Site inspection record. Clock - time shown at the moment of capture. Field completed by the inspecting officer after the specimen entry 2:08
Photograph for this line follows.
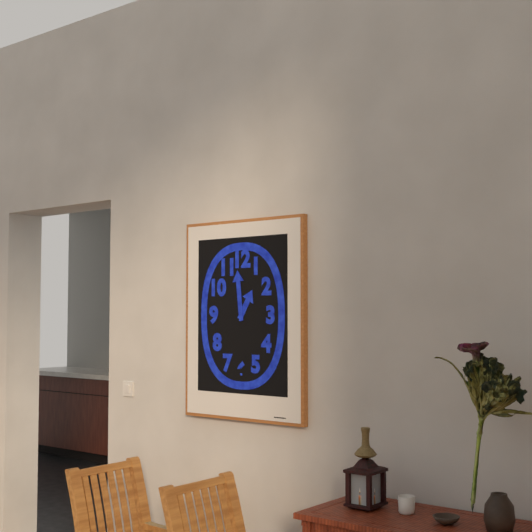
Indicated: 12:59
